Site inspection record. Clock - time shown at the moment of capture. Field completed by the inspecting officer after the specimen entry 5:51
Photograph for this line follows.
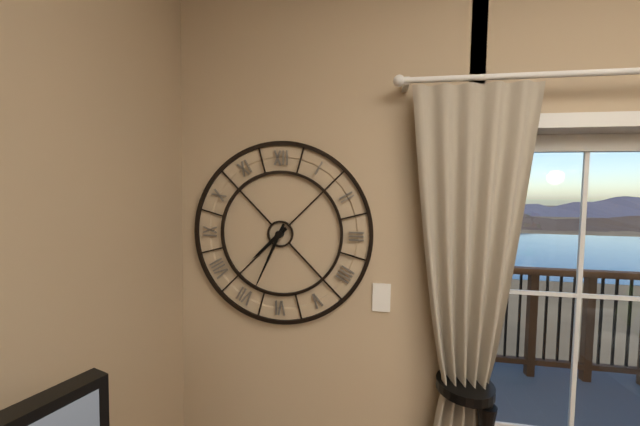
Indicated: 7:34
